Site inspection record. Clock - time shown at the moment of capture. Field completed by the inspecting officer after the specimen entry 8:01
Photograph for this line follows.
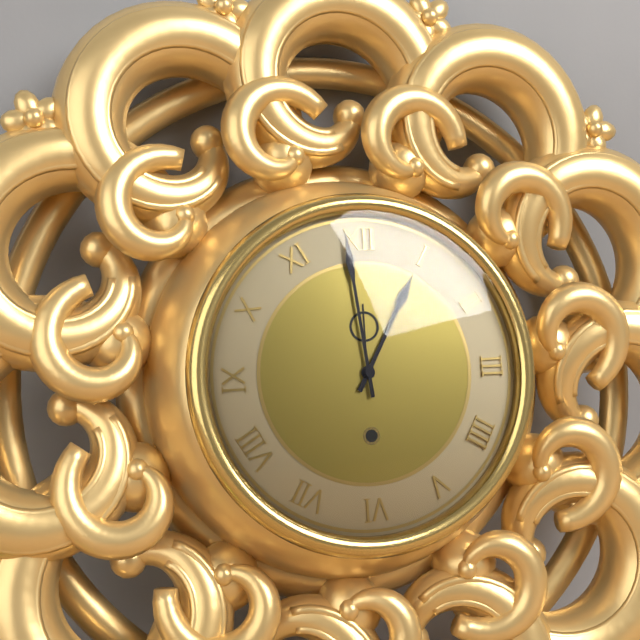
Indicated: 12:59
